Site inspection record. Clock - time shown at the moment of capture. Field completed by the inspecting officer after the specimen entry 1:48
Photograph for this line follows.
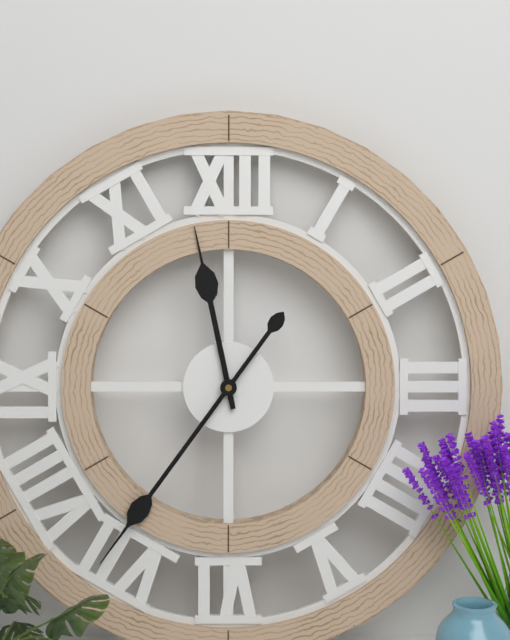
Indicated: 11:36
